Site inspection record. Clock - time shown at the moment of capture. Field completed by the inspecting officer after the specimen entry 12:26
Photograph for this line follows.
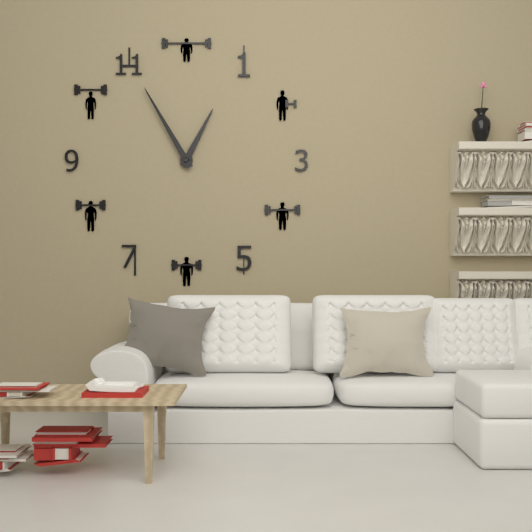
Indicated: 12:55
